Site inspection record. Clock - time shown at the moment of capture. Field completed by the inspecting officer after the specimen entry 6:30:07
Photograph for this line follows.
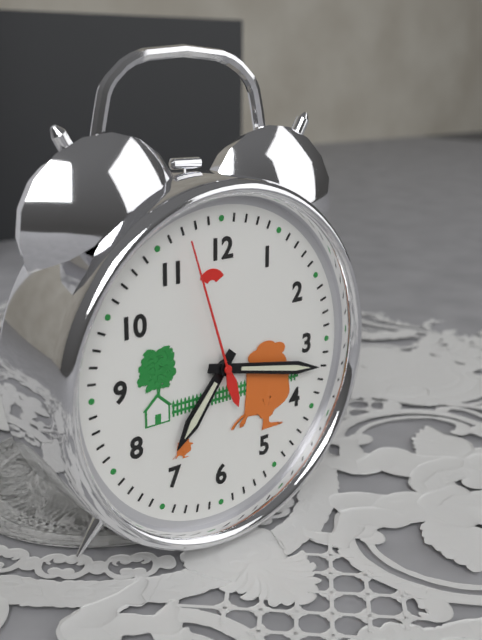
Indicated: 7:17:57
